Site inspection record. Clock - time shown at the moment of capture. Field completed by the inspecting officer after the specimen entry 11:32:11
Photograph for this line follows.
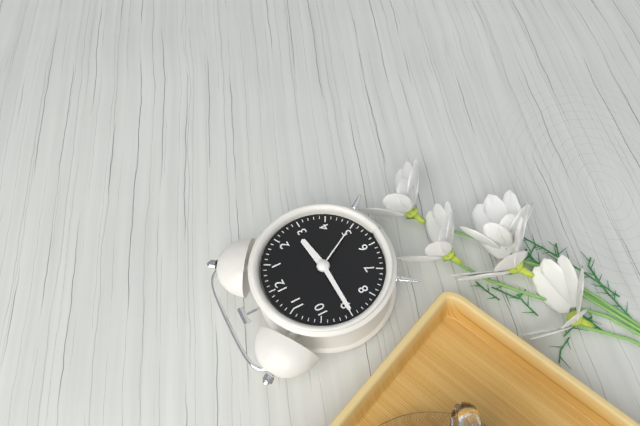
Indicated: 2:45:25
